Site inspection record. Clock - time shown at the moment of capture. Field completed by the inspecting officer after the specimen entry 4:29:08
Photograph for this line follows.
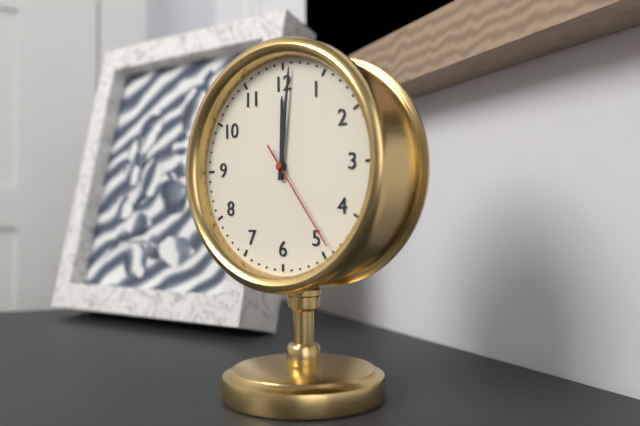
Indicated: 12:01:24
